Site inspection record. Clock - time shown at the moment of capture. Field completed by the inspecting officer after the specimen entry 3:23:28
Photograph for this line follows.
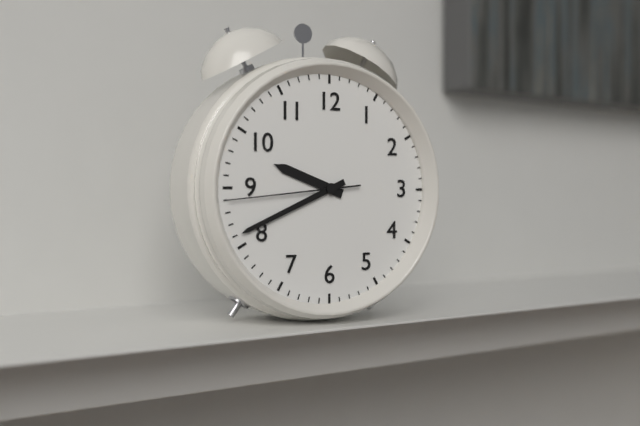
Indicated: 9:41:44
